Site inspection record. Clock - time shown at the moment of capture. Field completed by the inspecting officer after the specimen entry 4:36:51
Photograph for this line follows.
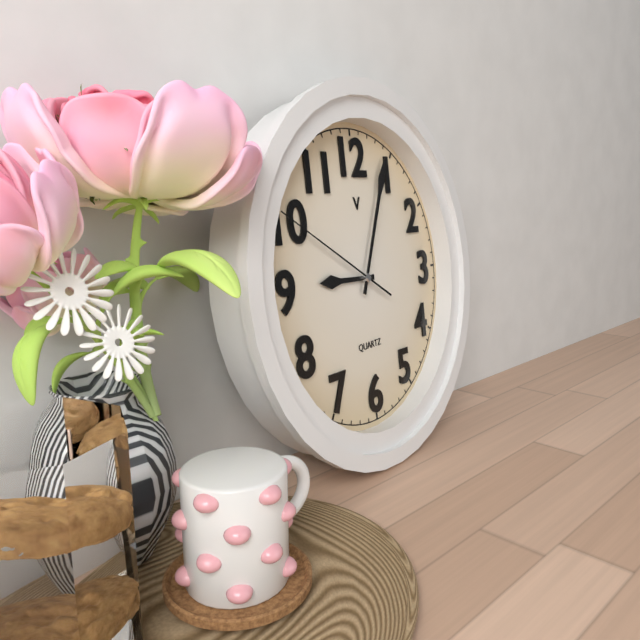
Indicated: 9:04:50
